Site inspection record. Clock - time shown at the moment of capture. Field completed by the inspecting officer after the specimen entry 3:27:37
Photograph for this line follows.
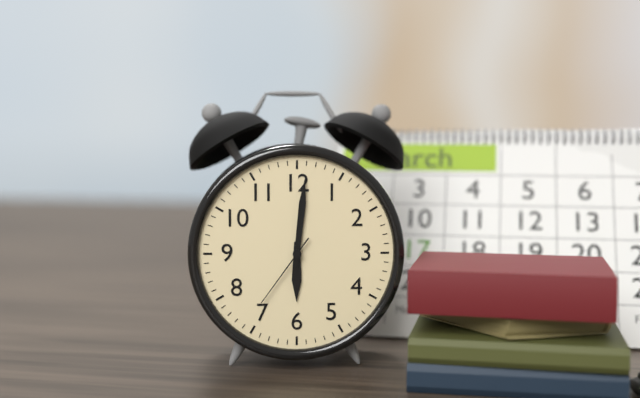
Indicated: 6:01:36
